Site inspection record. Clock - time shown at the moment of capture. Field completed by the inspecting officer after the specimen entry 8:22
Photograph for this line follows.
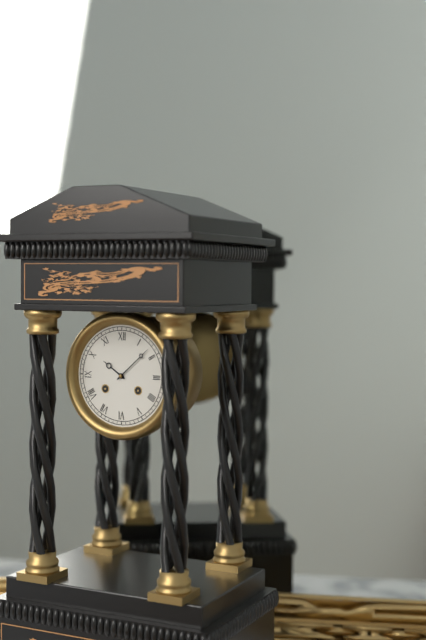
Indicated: 10:08
